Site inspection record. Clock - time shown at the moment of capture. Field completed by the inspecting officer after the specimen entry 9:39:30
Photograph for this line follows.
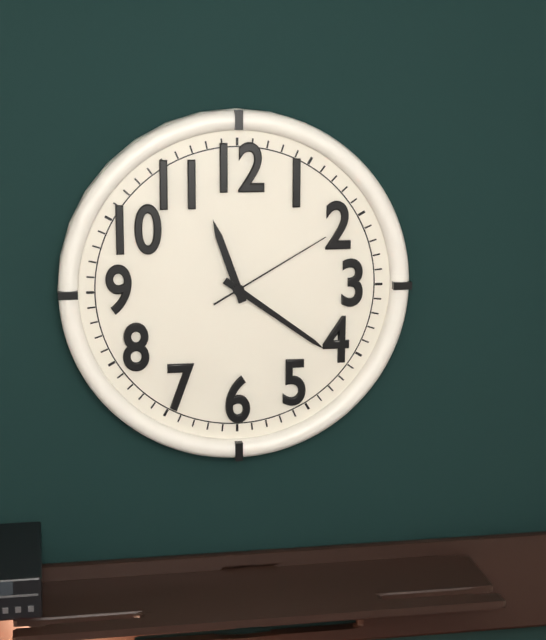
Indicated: 11:21:10
